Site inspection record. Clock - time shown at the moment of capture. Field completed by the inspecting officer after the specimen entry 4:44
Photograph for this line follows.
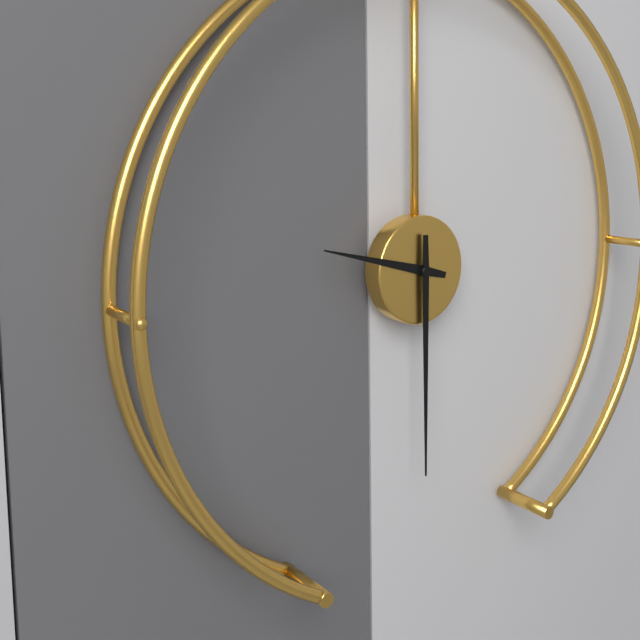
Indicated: 9:30
